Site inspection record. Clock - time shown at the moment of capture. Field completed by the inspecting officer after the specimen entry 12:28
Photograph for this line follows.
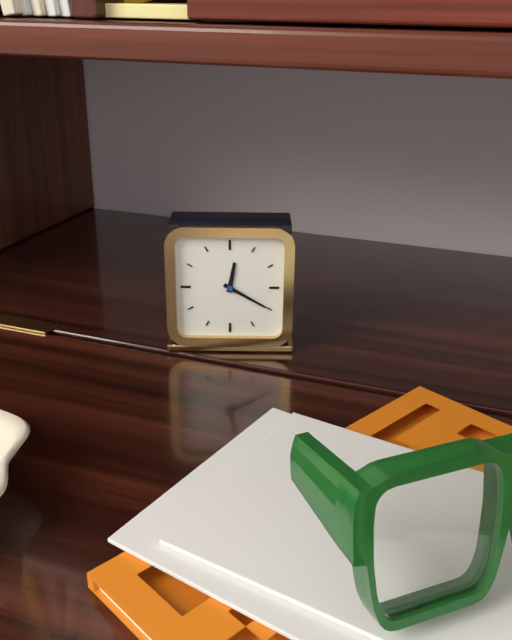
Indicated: 12:20
